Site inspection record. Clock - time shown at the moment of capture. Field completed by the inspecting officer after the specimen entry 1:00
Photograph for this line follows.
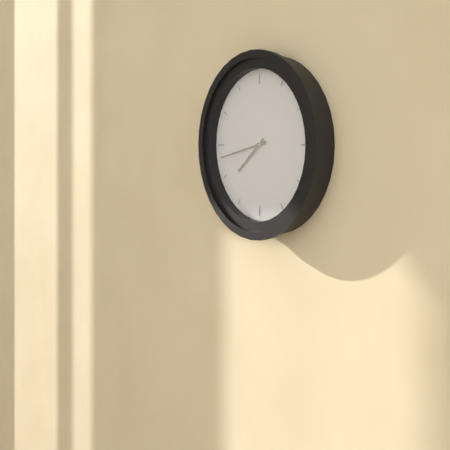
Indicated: 7:43
